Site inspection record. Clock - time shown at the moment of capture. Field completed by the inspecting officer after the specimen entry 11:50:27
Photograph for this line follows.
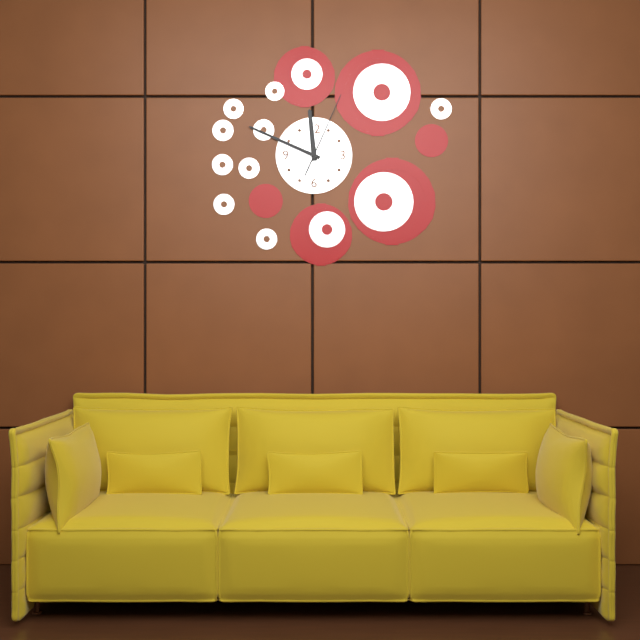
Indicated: 11:49:04
